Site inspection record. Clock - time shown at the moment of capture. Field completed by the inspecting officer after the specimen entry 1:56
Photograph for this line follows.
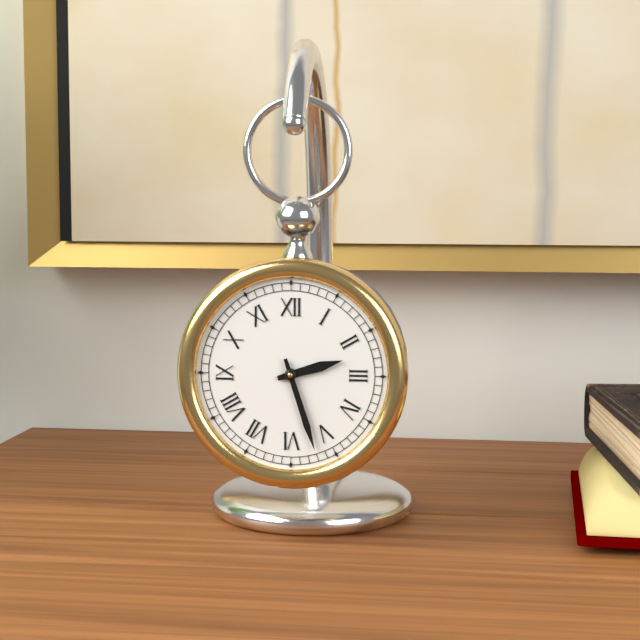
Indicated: 2:27
